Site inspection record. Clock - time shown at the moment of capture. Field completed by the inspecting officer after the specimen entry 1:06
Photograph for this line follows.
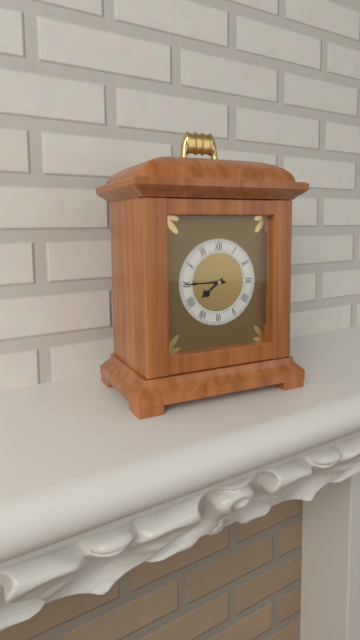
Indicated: 7:45
